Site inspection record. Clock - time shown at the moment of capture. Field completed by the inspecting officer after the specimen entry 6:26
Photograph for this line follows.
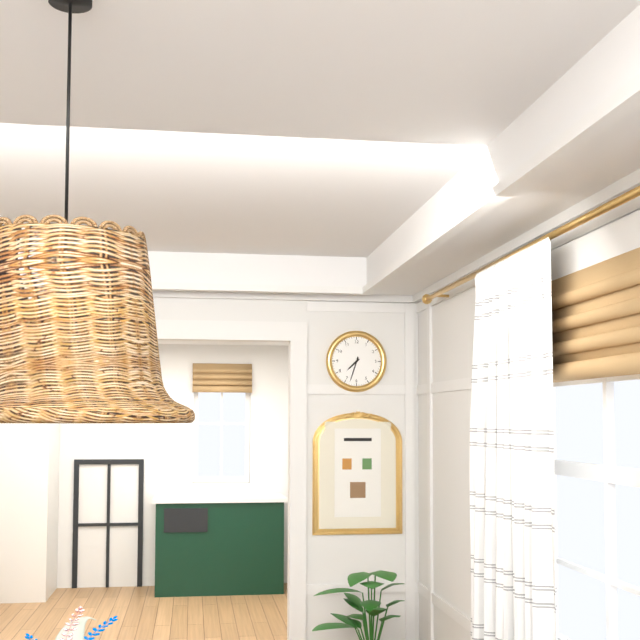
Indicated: 7:33
